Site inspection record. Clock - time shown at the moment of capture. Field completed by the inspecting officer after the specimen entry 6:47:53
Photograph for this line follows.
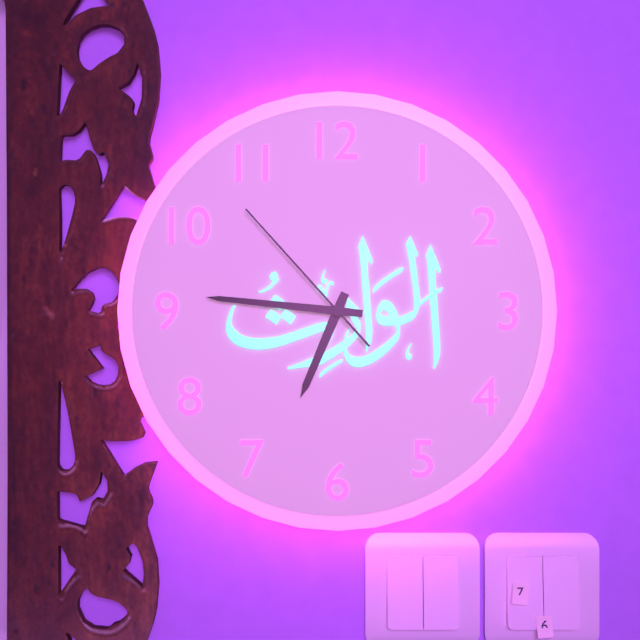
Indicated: 6:46:53
